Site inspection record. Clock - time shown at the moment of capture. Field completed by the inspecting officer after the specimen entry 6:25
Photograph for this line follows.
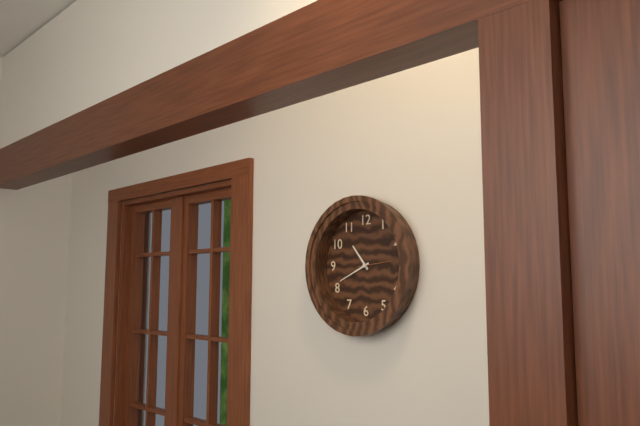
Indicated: 10:41
